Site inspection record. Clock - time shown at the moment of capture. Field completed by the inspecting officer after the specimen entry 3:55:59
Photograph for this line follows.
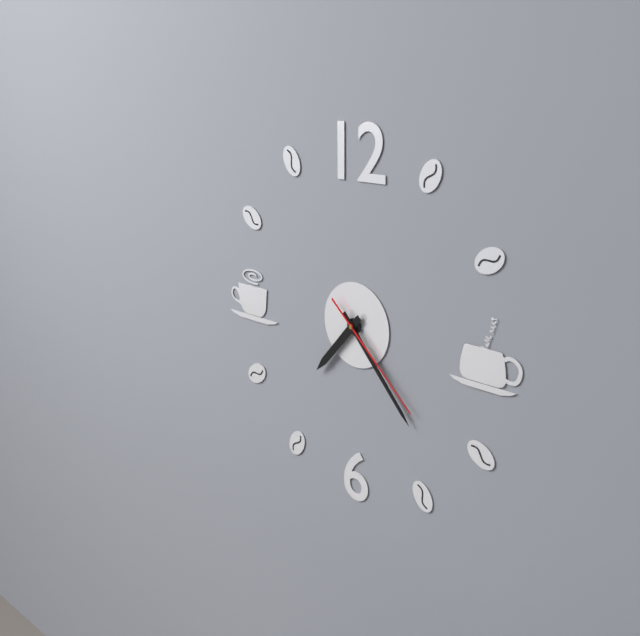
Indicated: 7:23:22
